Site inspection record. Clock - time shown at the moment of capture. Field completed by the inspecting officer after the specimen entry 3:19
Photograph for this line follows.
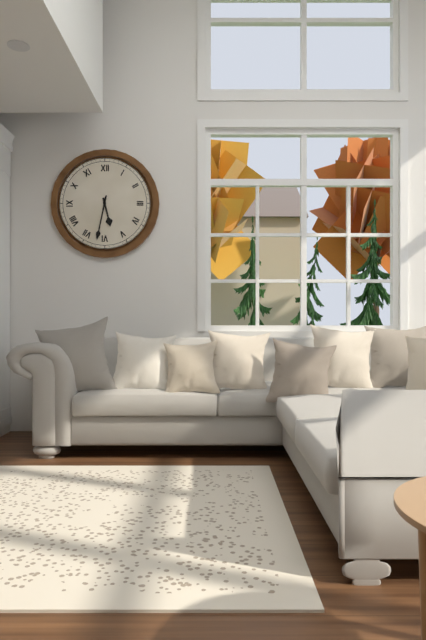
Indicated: 5:32
